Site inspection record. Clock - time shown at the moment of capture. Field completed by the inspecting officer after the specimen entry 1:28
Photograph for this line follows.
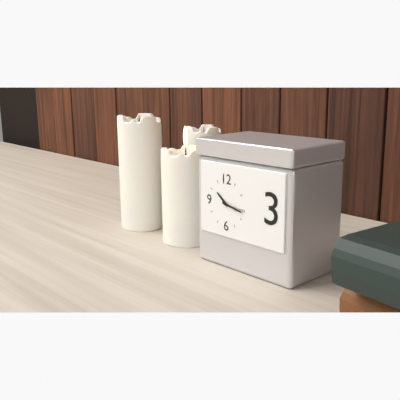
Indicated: 10:17
